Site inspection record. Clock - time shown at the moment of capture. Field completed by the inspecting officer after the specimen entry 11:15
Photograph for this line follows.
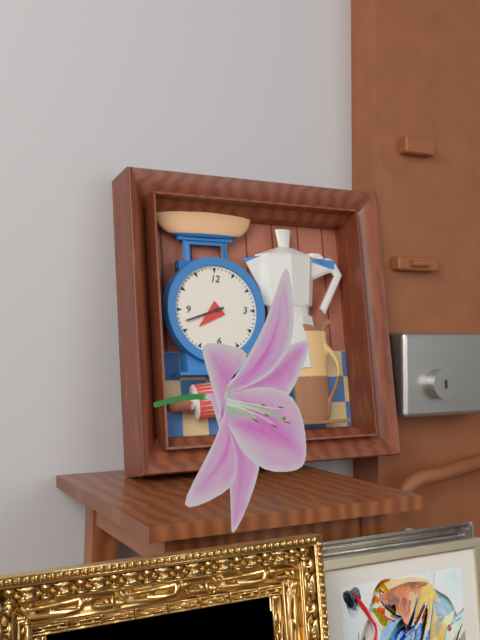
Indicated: 7:42
